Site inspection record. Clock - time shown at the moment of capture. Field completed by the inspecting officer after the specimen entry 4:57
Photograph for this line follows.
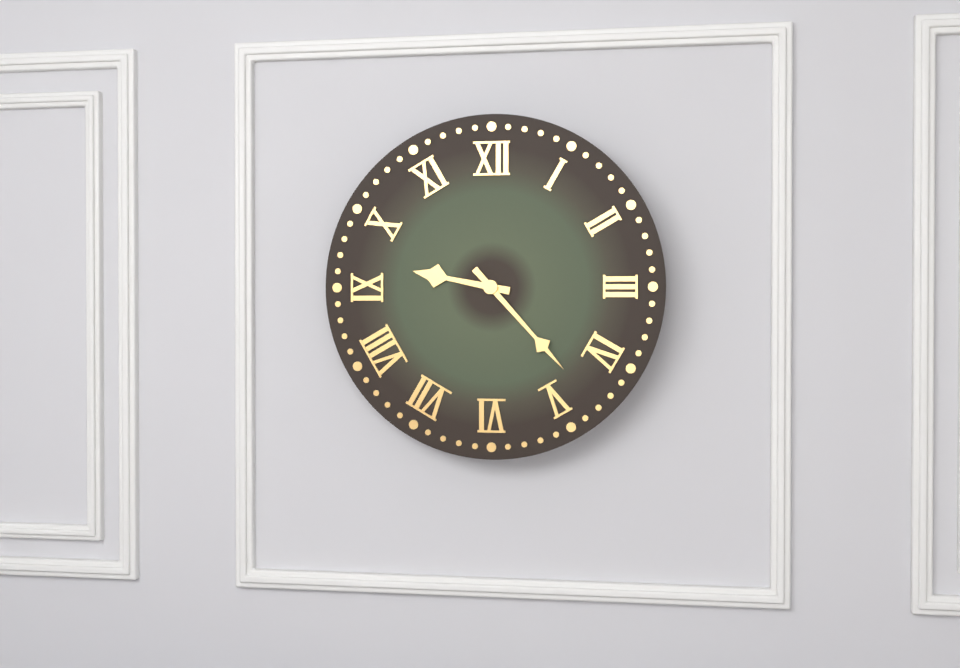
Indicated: 9:23
